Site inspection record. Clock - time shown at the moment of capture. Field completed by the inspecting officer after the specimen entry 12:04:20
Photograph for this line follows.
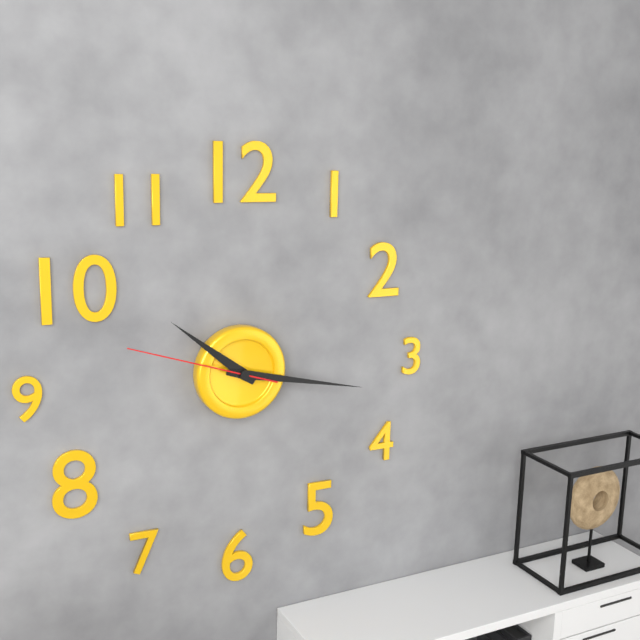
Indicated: 10:17:48
